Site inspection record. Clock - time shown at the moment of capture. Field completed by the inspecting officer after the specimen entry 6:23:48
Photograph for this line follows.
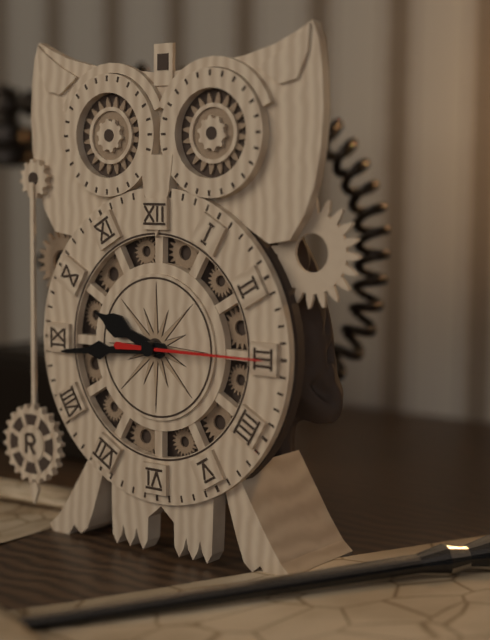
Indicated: 9:44:15
